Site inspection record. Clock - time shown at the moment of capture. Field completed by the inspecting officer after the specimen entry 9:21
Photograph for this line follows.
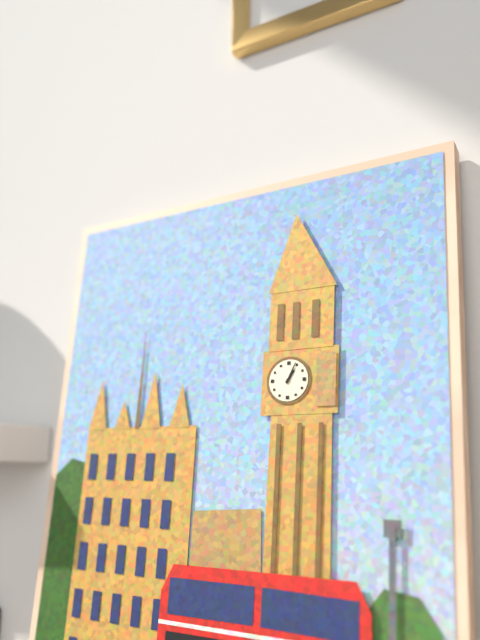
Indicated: 1:04
